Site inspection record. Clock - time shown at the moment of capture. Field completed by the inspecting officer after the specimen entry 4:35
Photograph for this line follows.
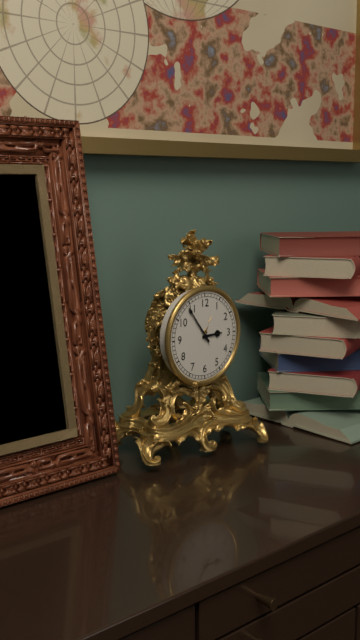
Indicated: 2:54
